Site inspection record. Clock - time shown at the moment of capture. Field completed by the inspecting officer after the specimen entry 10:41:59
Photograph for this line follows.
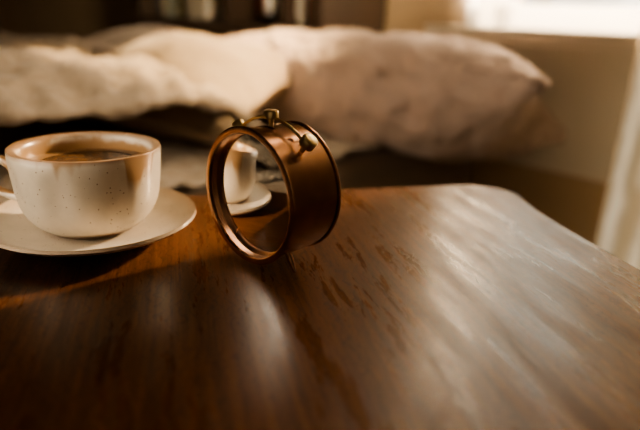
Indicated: 5:46:35
